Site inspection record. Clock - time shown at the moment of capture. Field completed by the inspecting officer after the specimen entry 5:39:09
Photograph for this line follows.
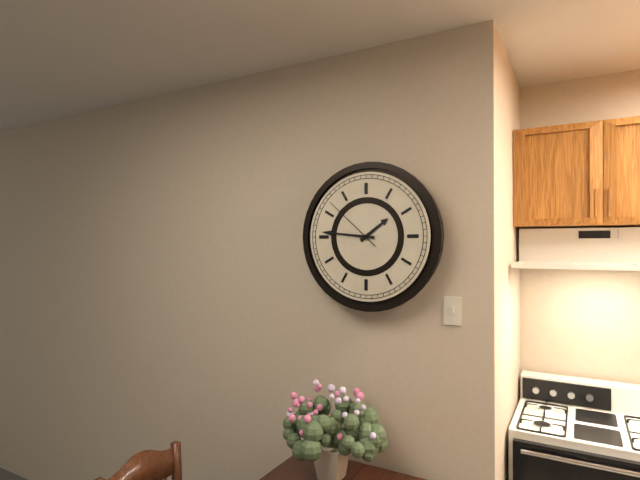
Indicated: 1:46:52
